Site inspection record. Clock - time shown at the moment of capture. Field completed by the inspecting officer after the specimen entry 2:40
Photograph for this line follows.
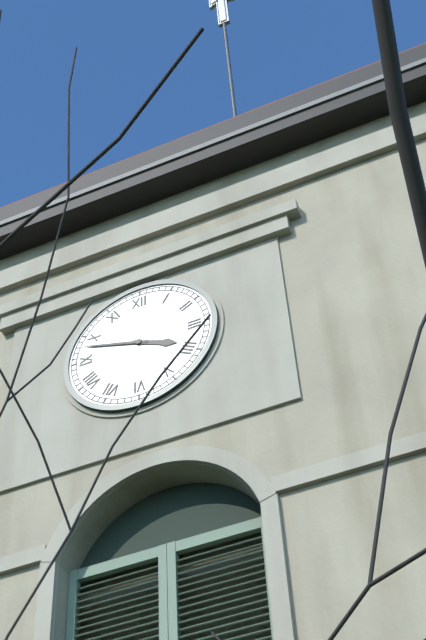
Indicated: 3:48
